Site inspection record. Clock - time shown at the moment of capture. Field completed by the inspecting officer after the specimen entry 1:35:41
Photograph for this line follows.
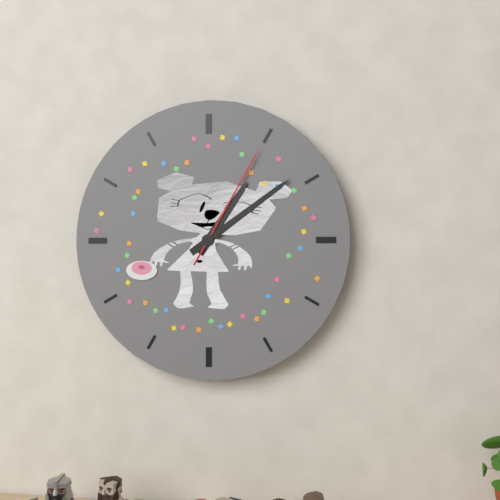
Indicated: 1:09:05
